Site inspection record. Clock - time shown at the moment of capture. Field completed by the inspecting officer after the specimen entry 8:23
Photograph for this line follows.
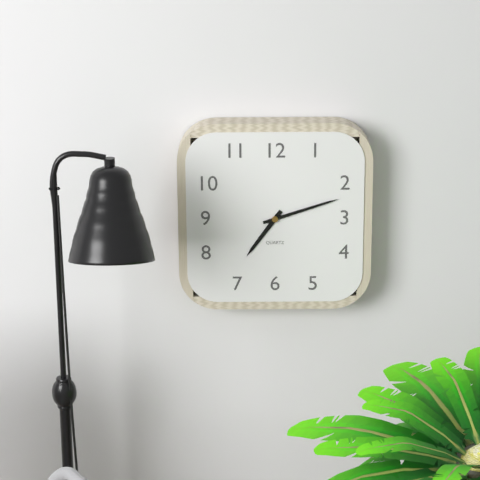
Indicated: 7:12
